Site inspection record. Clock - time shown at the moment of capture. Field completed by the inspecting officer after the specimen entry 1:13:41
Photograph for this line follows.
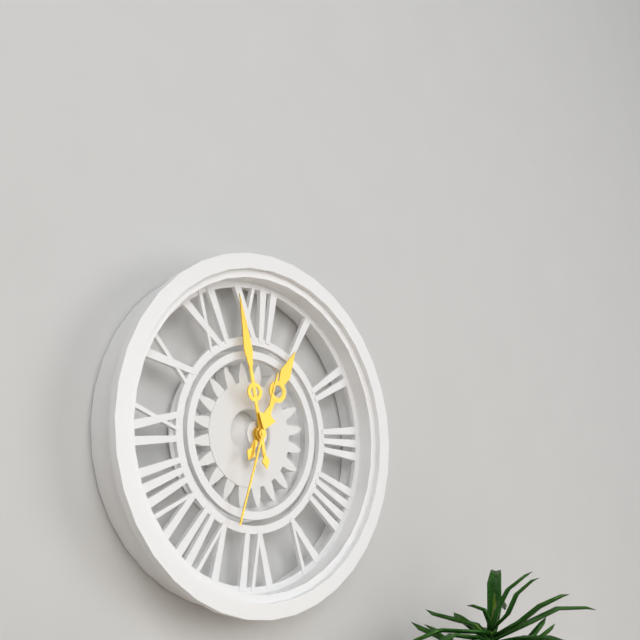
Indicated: 12:58:33
